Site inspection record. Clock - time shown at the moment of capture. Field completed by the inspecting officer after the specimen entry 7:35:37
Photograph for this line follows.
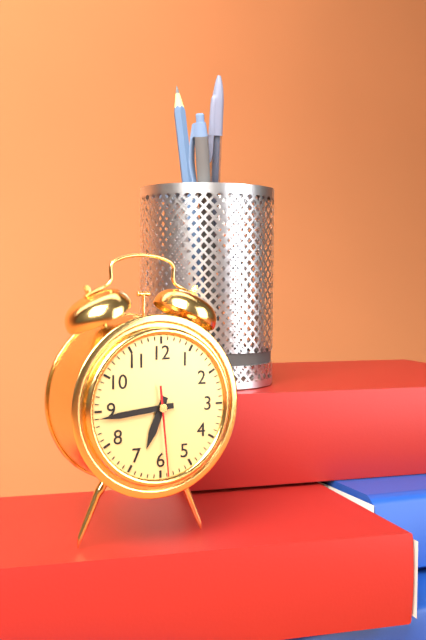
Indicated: 6:44:29
